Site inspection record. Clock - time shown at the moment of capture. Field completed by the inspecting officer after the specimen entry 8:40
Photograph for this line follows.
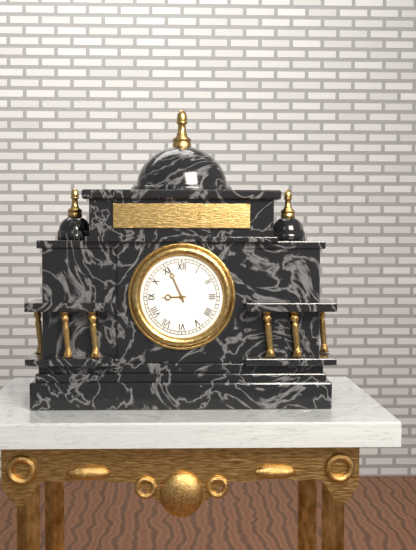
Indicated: 8:56
